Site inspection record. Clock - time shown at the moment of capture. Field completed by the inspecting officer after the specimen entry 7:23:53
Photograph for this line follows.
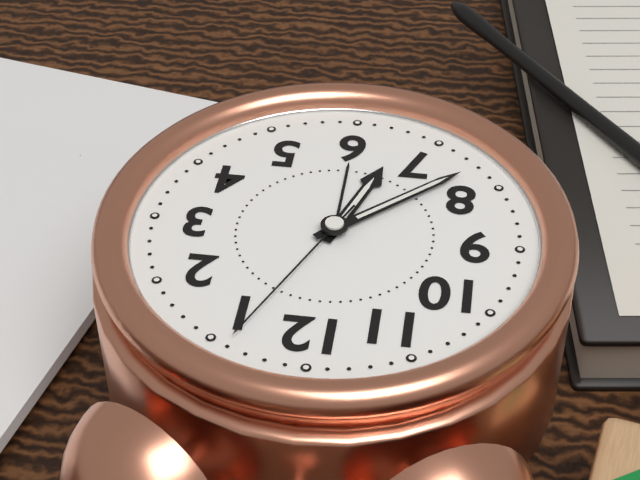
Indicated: 6:38:04
